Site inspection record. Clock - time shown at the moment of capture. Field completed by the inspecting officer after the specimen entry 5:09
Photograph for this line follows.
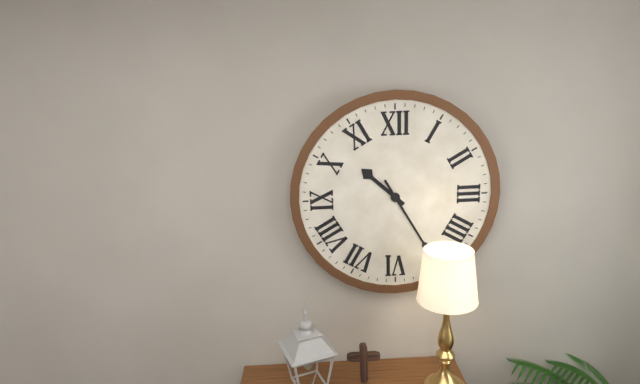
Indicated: 10:25
